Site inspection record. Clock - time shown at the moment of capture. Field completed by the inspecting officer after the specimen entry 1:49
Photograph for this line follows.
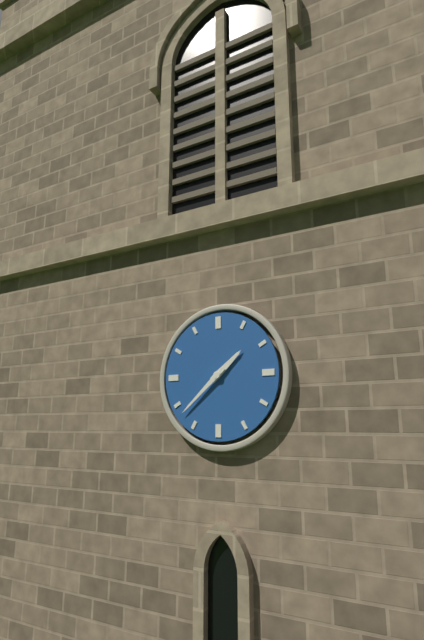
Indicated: 1:38
